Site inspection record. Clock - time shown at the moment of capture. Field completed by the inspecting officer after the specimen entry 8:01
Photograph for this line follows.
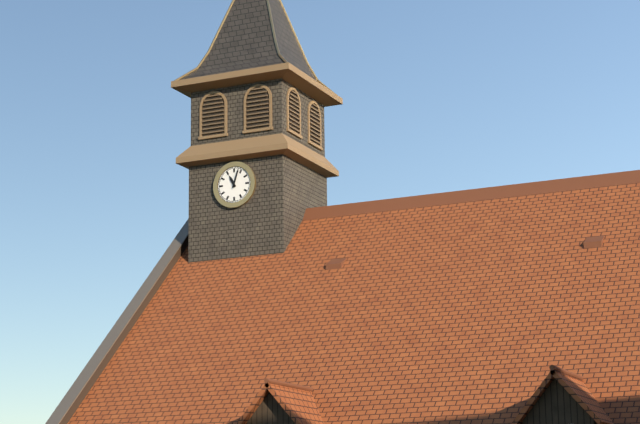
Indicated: 11:03
